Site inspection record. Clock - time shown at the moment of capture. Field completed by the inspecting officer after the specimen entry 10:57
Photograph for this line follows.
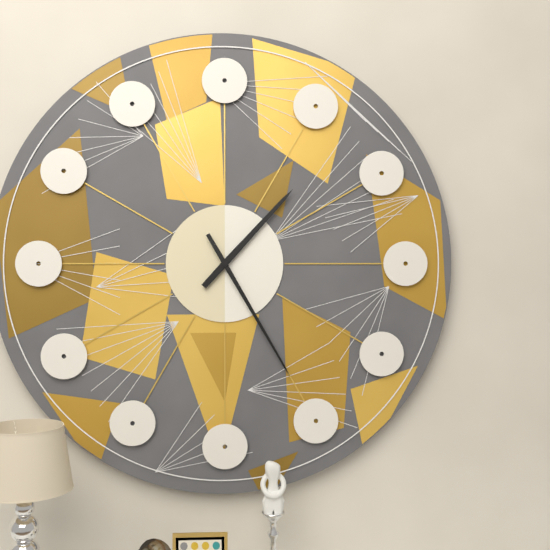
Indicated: 1:25
